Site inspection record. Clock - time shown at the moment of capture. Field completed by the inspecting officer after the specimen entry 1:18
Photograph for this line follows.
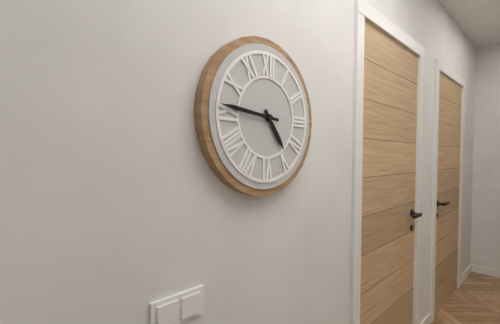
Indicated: 4:46
